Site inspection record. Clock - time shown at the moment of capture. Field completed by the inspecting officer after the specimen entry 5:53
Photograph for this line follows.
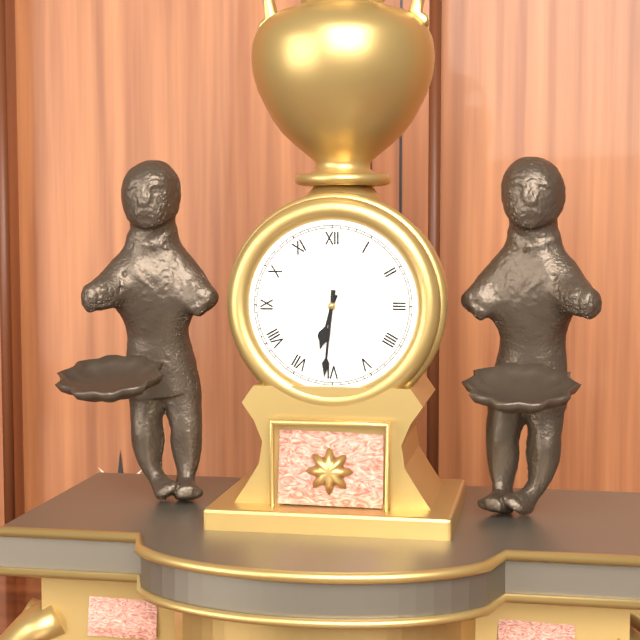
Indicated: 6:31
